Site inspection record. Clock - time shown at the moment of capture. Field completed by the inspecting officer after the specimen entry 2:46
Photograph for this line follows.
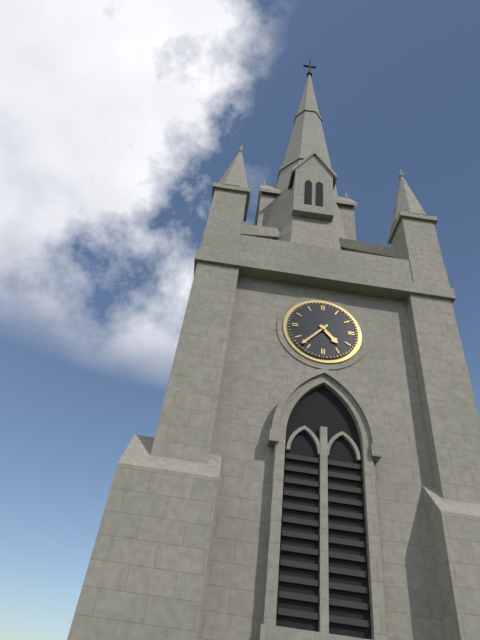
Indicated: 4:37
